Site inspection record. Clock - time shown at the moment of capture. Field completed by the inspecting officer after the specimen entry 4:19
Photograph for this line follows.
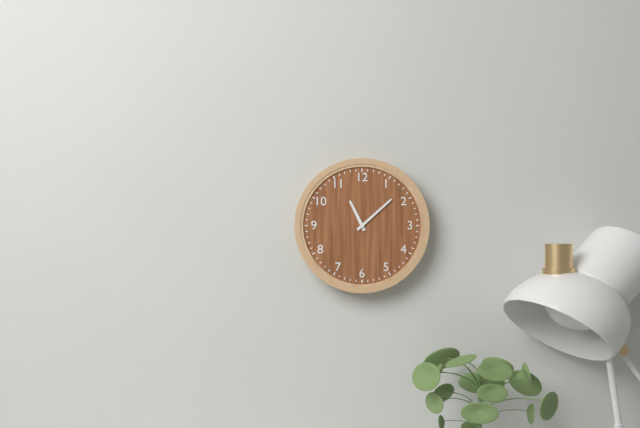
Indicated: 11:08
